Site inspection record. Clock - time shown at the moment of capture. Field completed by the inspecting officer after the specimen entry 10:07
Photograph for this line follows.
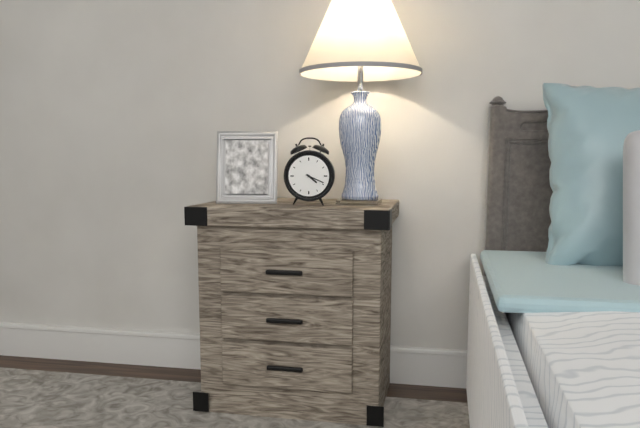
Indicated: 4:19
